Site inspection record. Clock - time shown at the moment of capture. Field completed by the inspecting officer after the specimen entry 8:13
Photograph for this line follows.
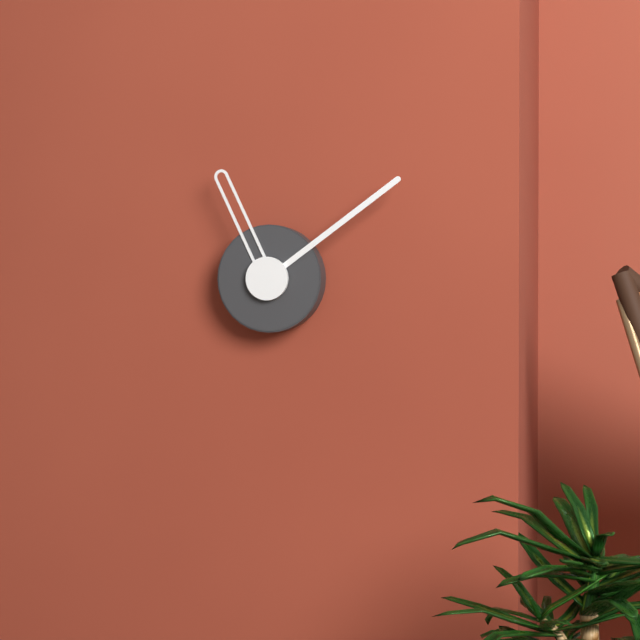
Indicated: 11:09
